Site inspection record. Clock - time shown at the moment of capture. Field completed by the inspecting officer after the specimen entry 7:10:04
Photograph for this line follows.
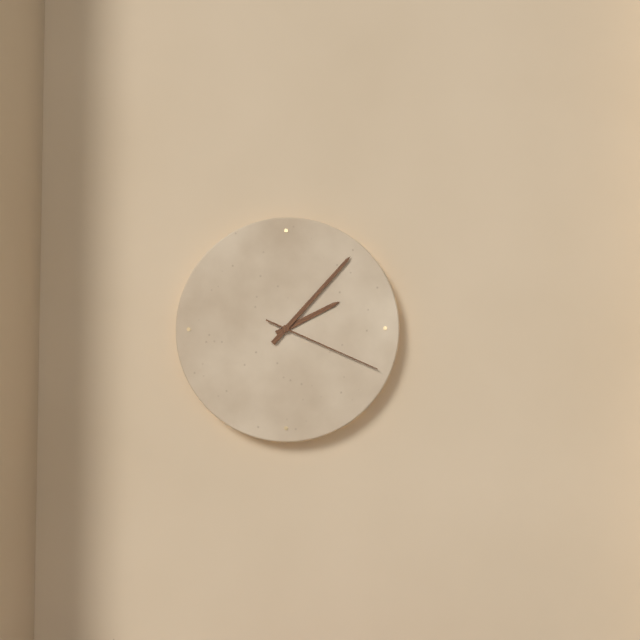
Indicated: 2:07:19
